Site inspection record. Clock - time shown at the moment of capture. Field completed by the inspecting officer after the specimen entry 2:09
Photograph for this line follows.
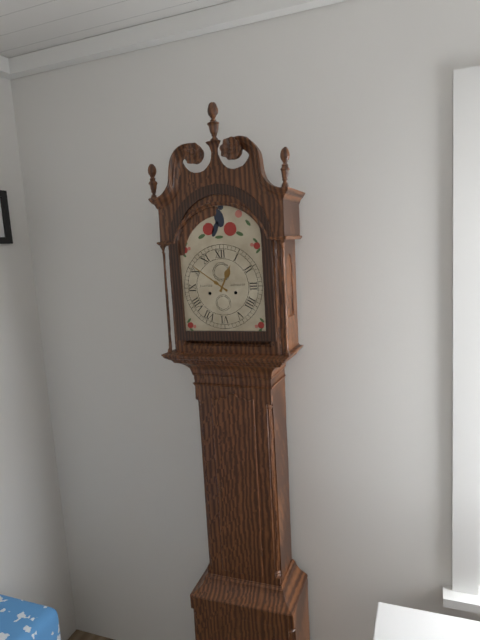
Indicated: 12:51
